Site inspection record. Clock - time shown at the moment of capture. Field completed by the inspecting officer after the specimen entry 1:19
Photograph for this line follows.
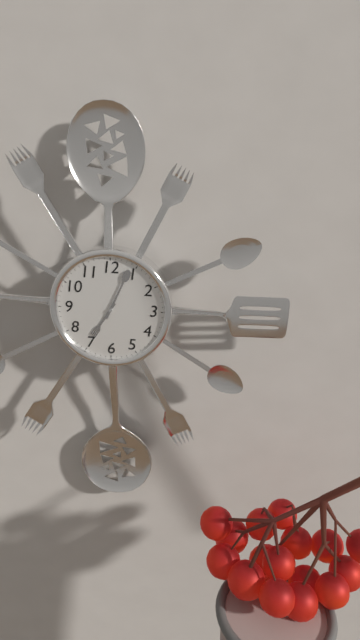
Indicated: 7:04
